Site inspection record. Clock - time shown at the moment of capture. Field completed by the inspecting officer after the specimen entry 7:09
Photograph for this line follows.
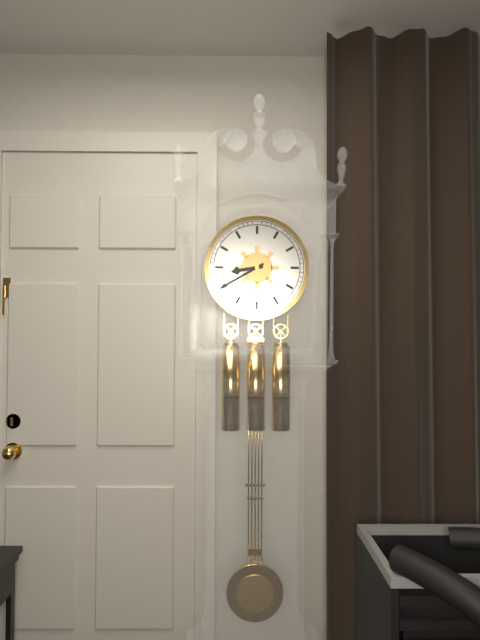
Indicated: 8:40
